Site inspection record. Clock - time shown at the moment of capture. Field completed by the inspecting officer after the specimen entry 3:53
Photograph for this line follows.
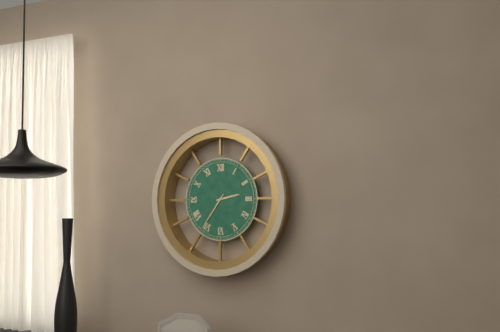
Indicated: 2:36
